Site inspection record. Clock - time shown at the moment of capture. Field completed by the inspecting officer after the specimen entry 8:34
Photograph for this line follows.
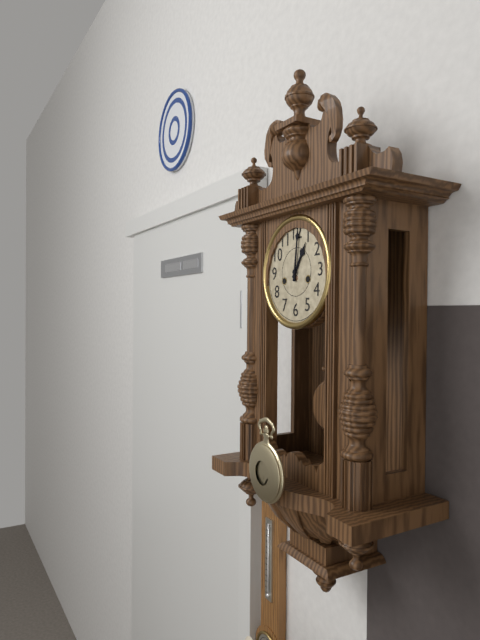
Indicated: 1:01
